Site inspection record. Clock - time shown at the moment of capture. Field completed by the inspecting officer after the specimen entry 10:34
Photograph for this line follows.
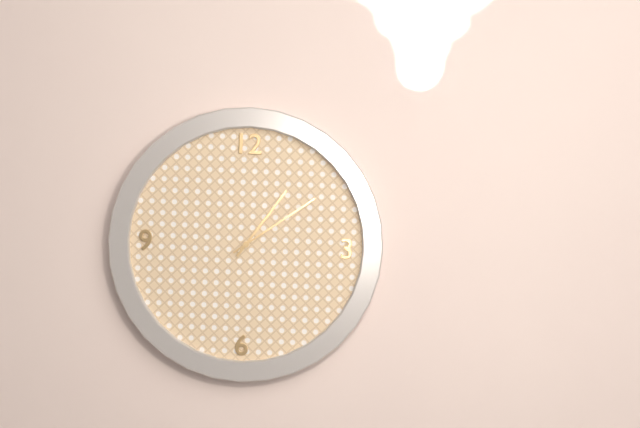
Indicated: 1:09
